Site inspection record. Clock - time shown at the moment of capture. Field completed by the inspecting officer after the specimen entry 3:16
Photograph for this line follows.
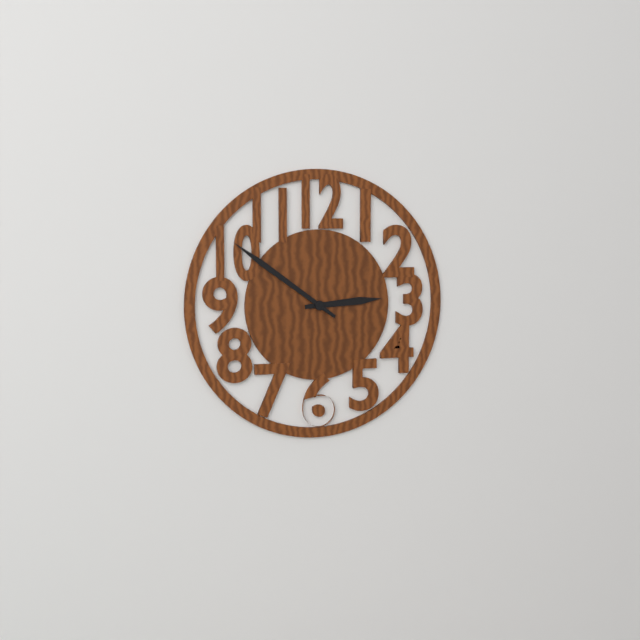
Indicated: 2:51
